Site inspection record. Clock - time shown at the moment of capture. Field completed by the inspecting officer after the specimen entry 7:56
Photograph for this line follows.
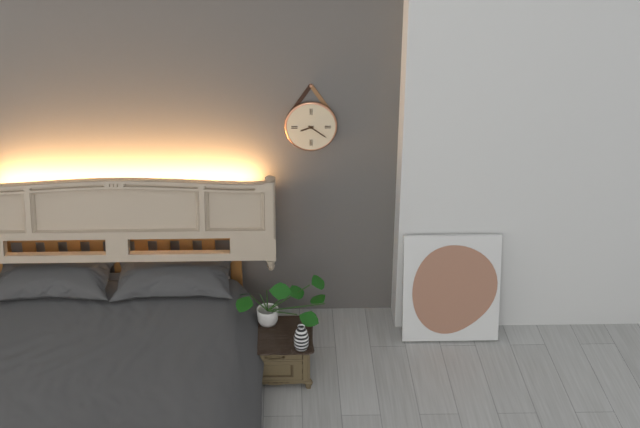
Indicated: 8:21
